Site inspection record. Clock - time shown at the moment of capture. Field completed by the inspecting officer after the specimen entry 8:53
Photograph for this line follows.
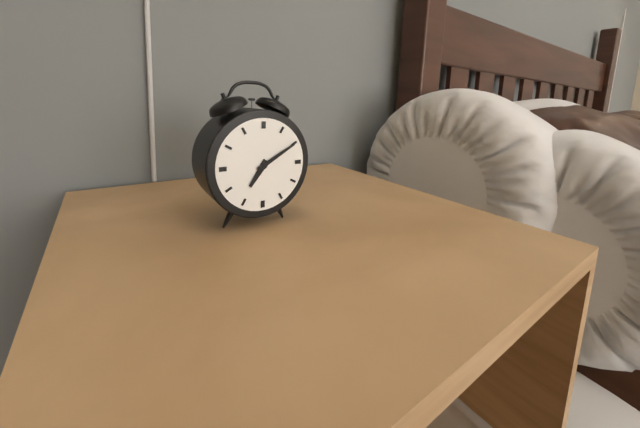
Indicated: 7:10
